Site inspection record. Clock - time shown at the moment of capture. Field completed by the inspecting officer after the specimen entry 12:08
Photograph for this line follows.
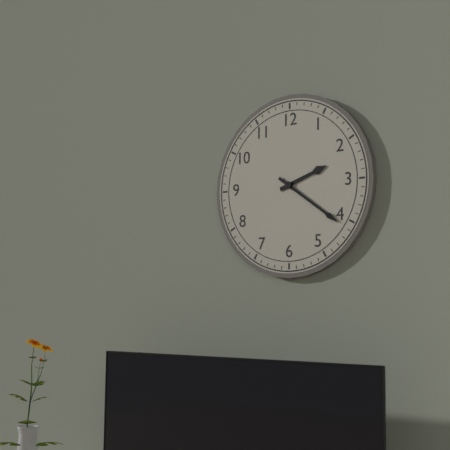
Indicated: 2:21
